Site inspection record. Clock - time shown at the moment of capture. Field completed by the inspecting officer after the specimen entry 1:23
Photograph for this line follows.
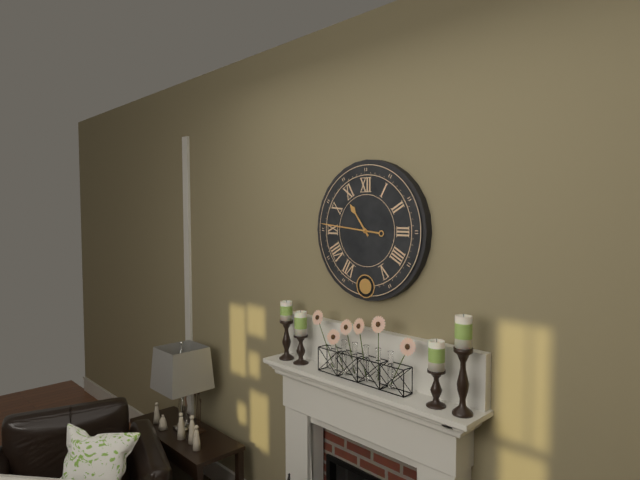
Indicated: 10:46
